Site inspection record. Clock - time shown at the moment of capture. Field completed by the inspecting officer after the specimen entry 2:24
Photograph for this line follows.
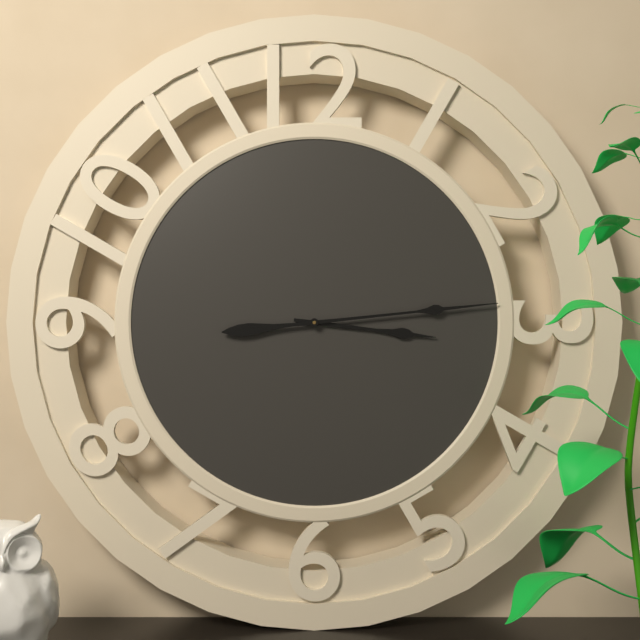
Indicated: 3:14
